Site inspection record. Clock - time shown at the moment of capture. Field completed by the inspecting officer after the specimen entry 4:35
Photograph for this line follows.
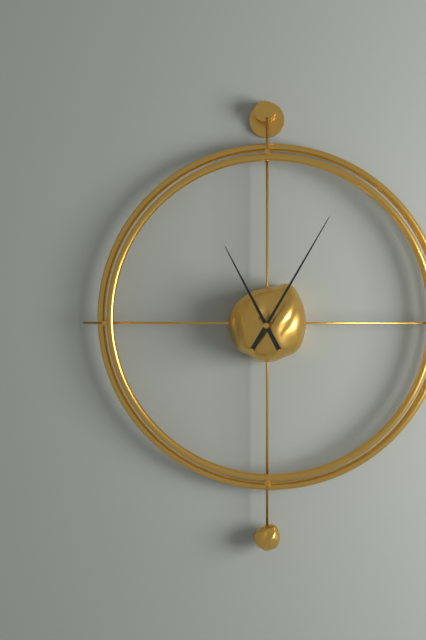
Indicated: 11:05
